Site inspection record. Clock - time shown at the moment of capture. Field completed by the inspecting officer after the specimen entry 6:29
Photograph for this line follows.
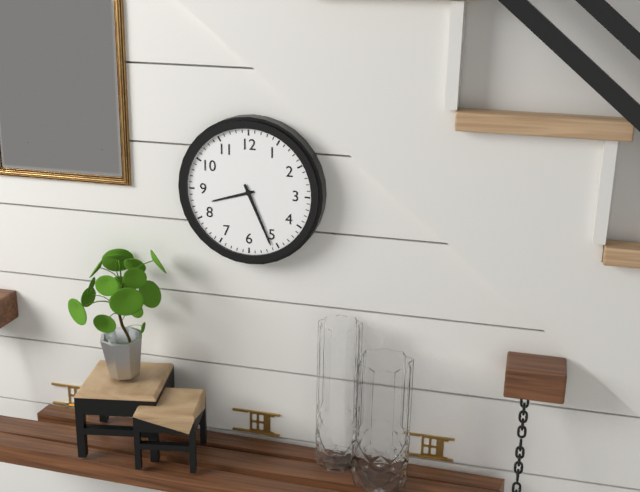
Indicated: 8:26
